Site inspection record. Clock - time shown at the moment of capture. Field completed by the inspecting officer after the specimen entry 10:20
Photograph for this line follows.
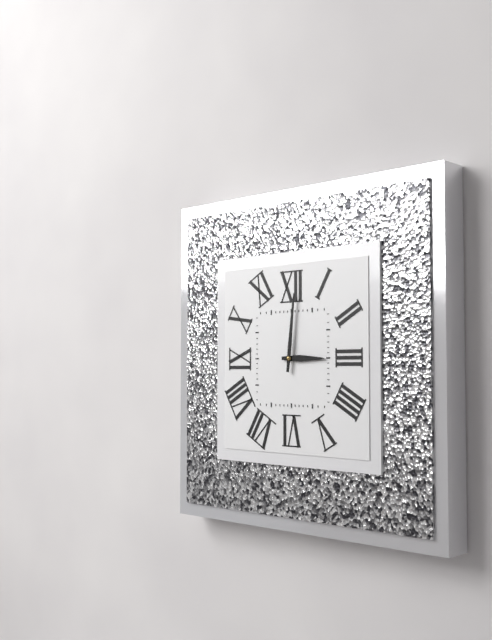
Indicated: 3:01
